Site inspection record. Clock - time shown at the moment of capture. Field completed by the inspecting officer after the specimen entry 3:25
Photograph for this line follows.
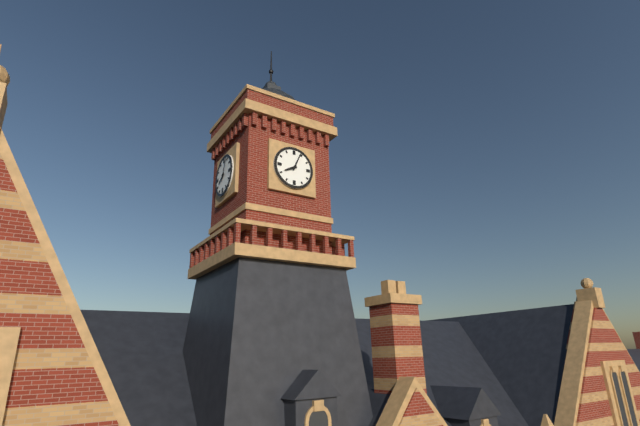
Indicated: 8:04
